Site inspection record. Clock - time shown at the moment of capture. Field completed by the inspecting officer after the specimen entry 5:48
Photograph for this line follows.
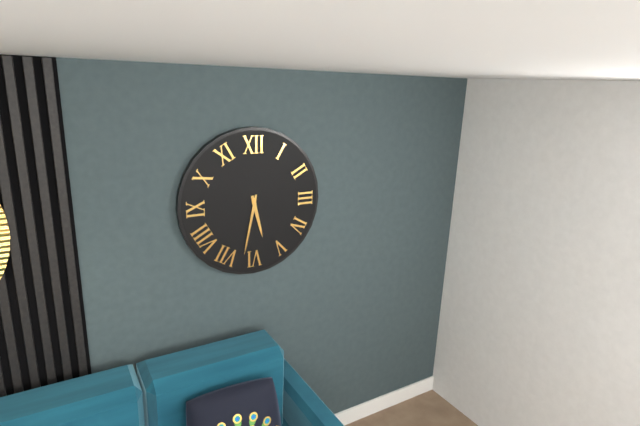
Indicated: 5:32
